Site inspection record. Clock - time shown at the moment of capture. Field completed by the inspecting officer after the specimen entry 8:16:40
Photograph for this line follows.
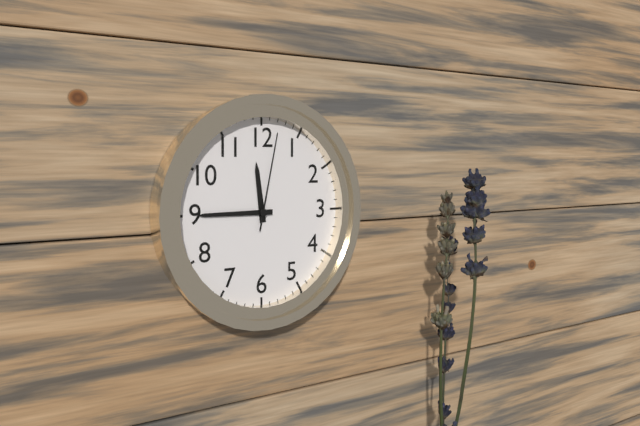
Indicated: 11:45:02
